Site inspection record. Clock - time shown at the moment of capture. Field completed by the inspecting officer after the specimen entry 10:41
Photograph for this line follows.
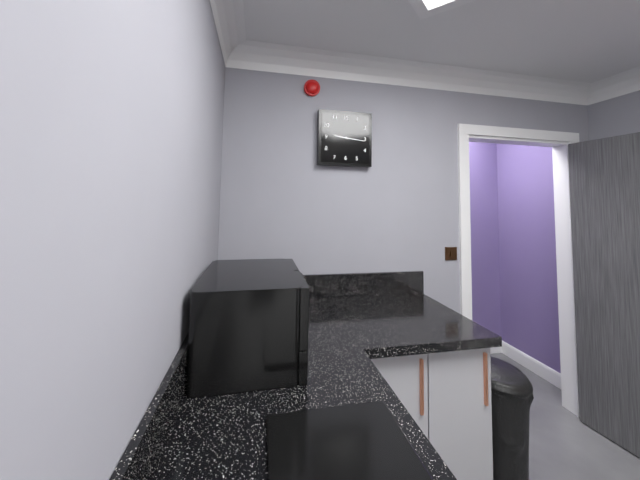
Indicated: 9:16
